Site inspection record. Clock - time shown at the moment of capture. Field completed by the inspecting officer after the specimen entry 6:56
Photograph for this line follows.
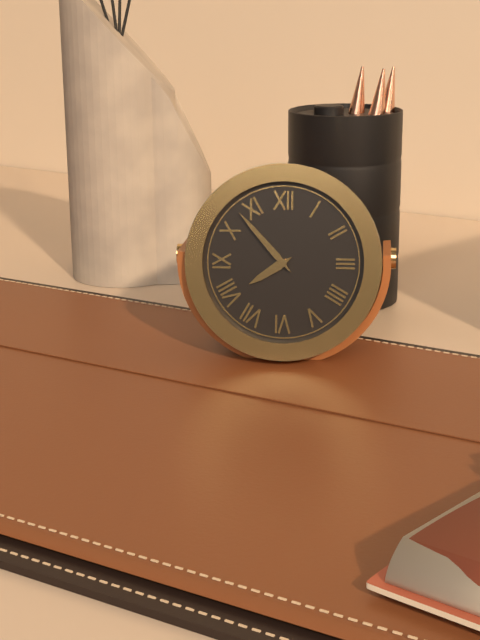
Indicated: 7:53
